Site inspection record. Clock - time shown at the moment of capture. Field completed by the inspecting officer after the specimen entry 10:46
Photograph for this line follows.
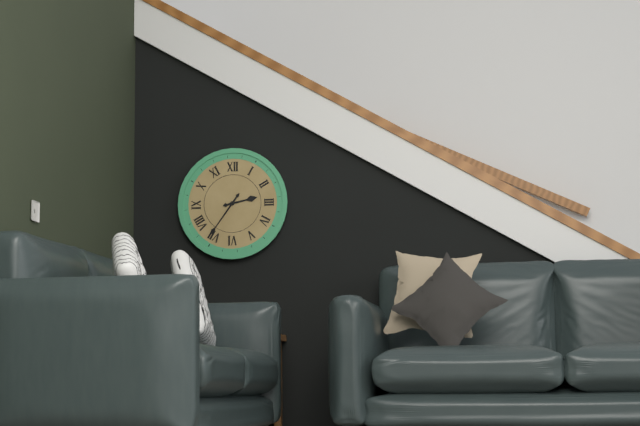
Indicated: 2:36
